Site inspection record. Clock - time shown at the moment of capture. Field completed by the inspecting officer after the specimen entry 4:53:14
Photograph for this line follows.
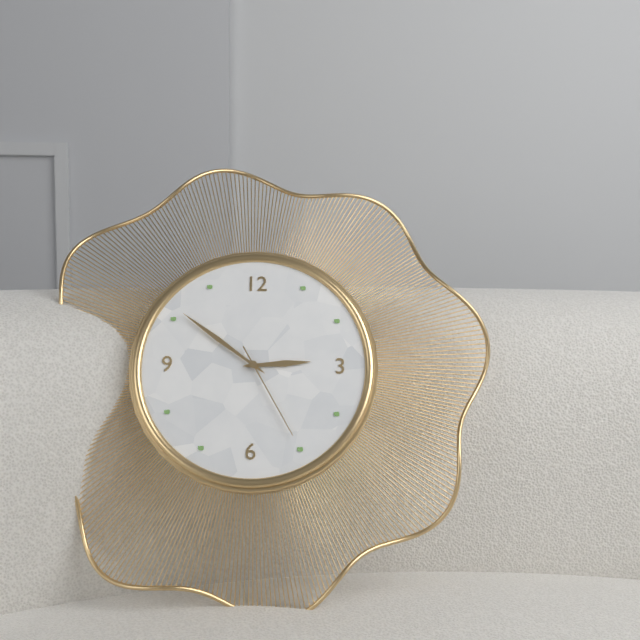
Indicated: 2:51:25
